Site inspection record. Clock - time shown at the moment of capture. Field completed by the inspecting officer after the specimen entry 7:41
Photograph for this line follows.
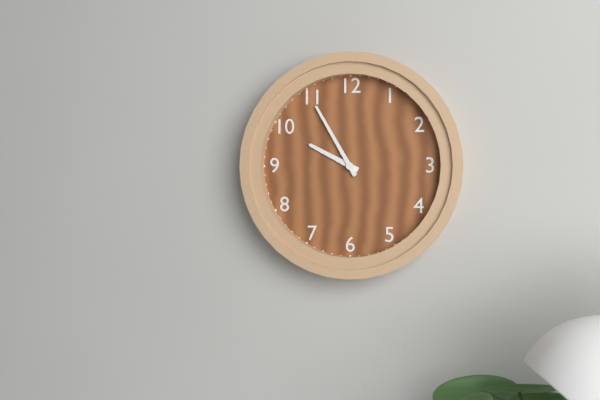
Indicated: 9:55
